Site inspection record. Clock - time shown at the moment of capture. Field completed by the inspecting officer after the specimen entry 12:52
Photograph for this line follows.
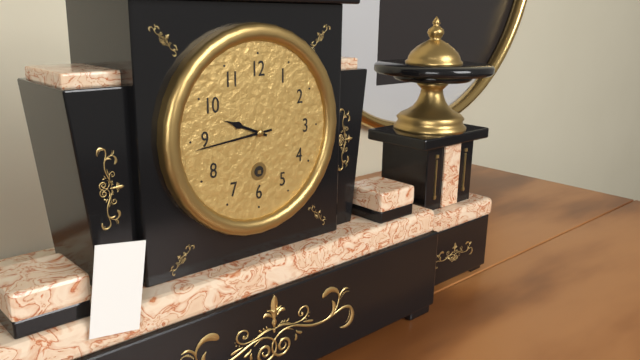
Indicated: 9:44
